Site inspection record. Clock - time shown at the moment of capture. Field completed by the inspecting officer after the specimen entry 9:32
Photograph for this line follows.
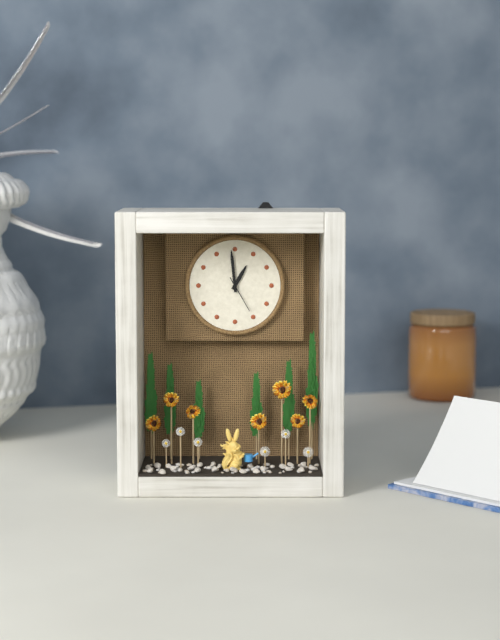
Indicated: 12:59
